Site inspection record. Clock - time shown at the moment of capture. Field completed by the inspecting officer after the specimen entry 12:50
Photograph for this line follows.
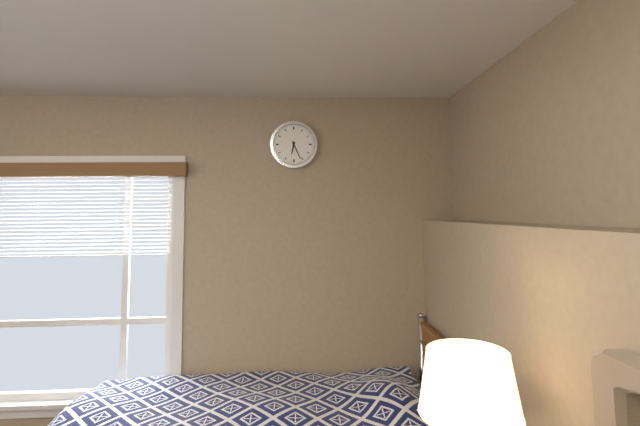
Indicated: 6:26
